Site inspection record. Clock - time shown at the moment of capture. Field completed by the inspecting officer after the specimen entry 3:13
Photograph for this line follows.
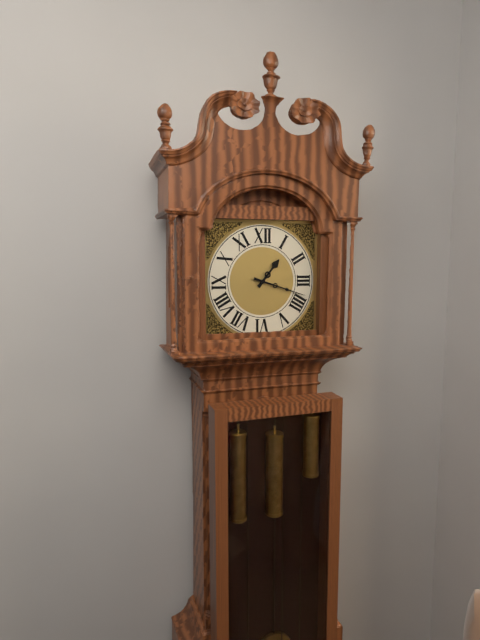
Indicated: 1:18
